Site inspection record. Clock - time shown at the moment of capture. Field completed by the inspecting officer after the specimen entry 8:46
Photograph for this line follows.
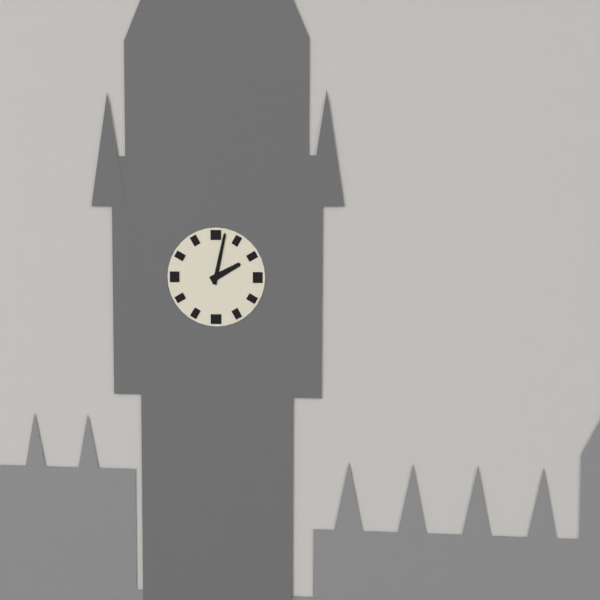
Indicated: 2:02
